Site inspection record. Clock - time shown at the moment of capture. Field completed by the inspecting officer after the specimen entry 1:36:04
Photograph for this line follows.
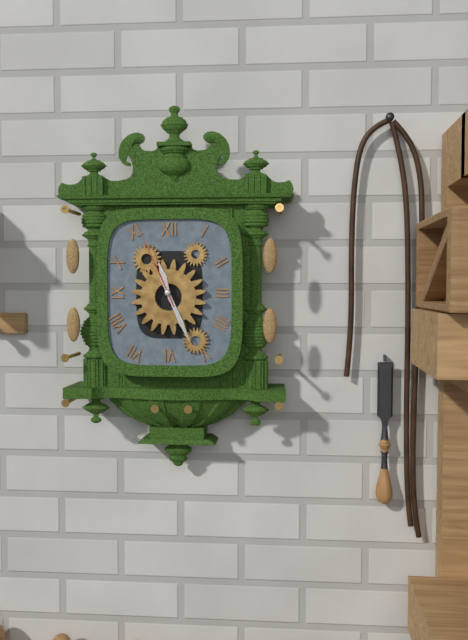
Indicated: 11:26:56
